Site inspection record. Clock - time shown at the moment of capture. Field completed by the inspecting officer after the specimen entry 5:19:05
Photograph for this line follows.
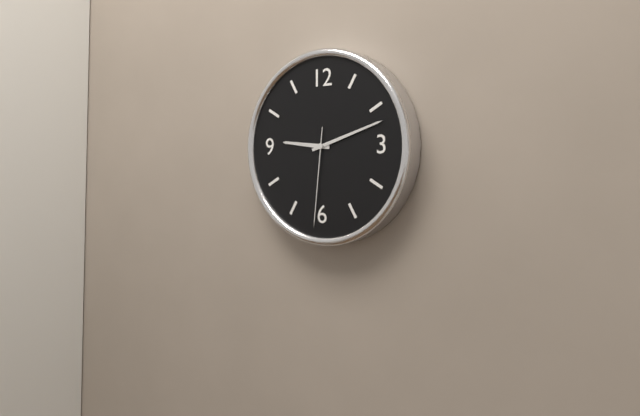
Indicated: 9:12:31
